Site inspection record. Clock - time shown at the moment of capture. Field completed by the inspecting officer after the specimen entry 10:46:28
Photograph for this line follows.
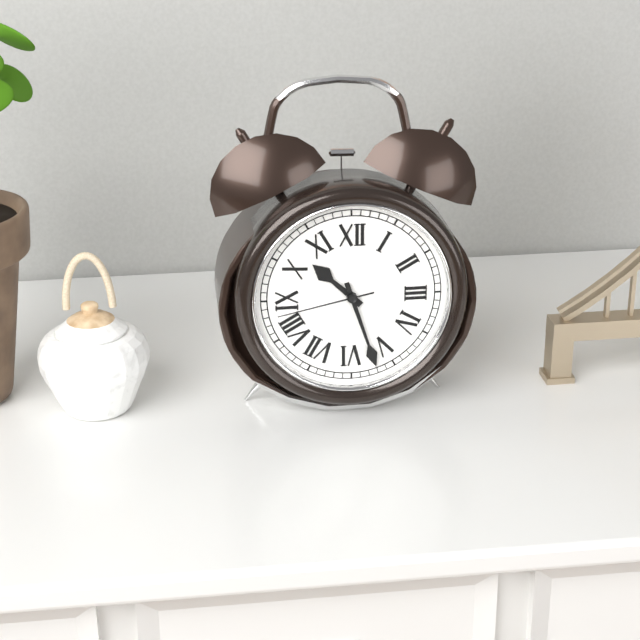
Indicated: 10:27:43
